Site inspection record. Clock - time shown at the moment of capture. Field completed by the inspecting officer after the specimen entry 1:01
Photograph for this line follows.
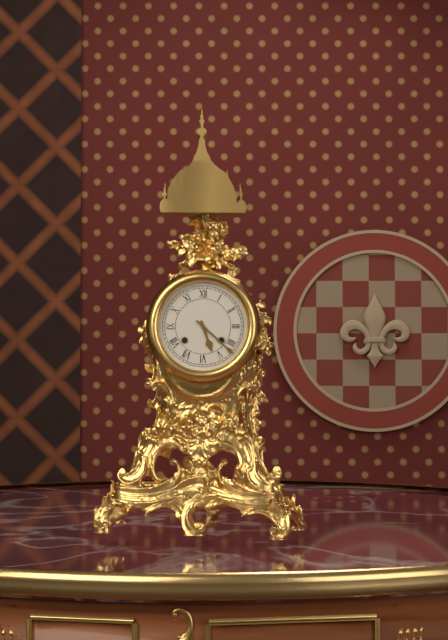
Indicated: 5:22
